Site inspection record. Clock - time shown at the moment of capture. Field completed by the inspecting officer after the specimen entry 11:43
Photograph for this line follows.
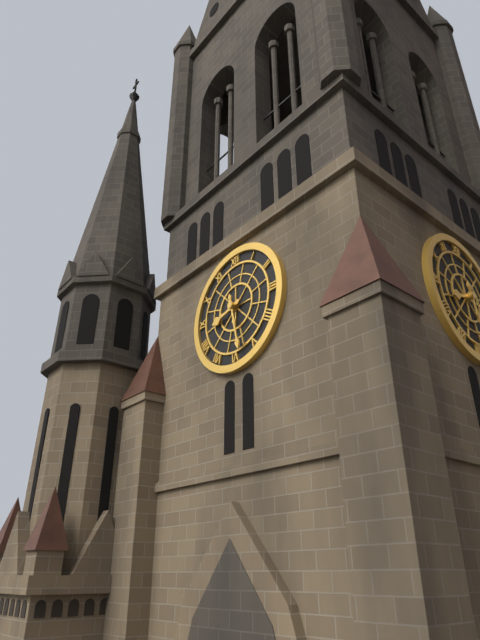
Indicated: 8:28
